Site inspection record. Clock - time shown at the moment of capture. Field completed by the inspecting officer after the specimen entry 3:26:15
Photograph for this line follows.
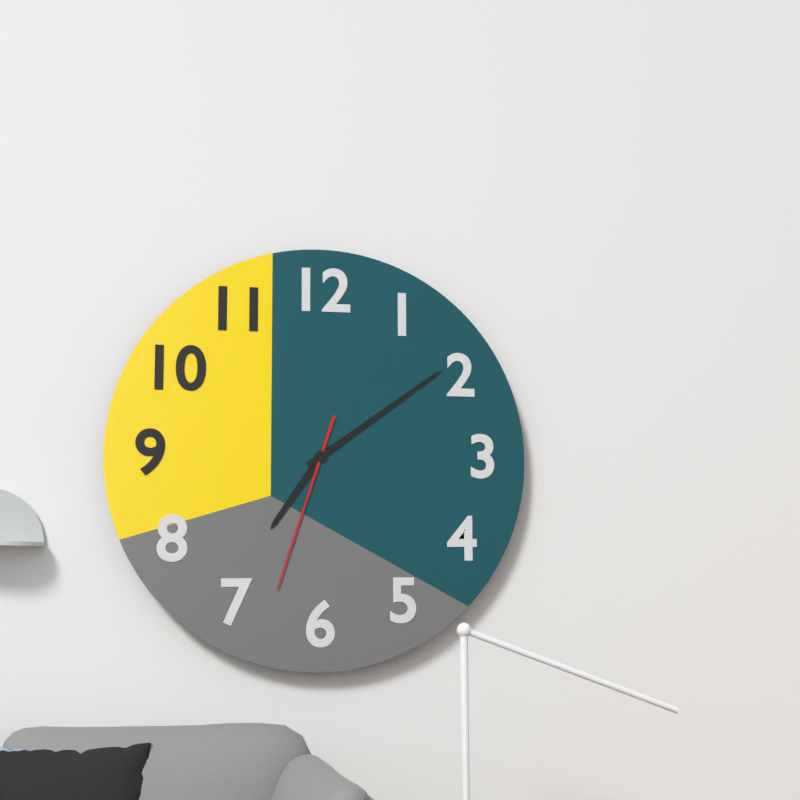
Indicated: 7:09:33
